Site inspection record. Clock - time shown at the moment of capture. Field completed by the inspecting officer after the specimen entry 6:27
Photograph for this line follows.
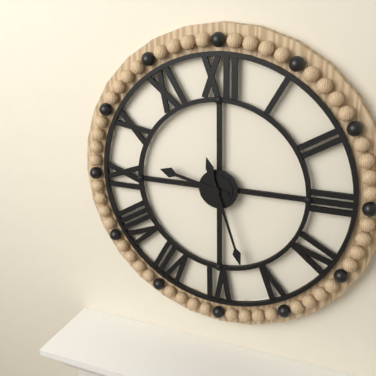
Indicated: 9:27
